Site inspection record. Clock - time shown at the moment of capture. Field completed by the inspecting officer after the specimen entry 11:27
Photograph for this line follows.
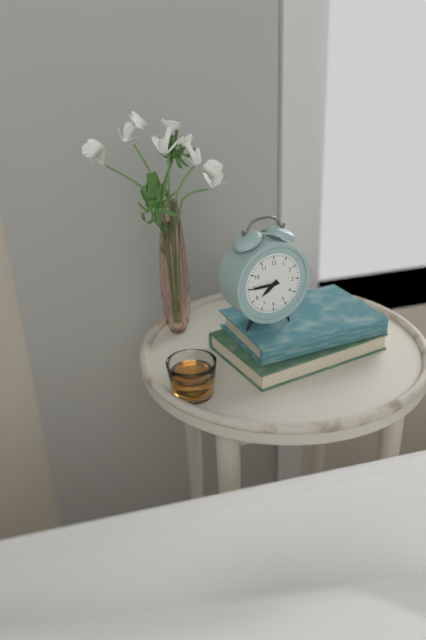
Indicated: 7:45
